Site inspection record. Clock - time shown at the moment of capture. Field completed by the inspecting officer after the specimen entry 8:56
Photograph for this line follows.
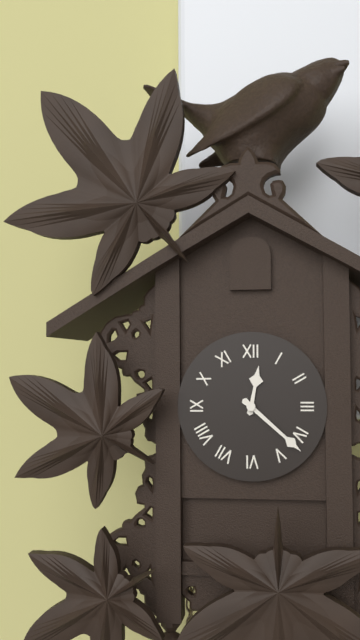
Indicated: 12:22
